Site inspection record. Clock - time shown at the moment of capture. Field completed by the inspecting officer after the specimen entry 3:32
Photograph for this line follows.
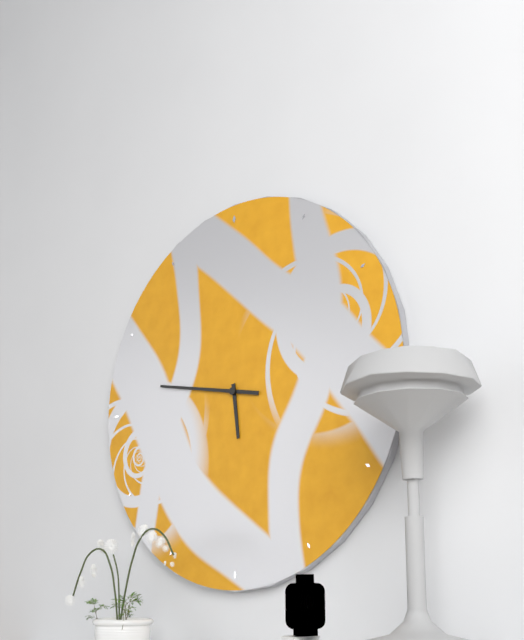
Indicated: 5:47
